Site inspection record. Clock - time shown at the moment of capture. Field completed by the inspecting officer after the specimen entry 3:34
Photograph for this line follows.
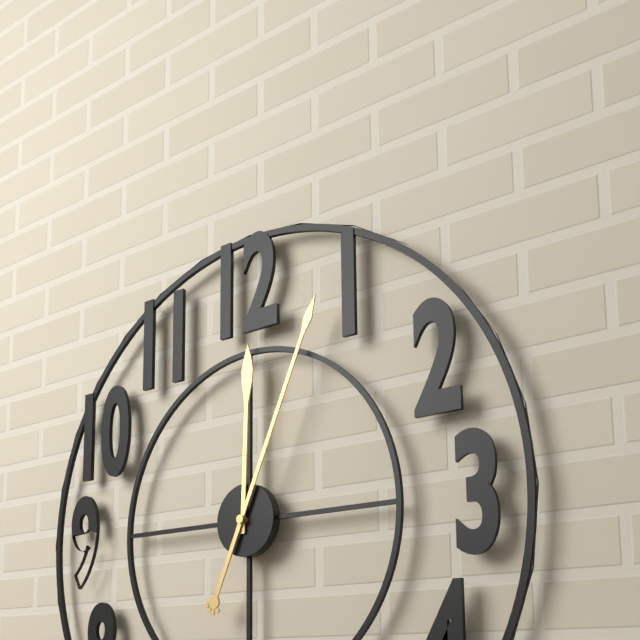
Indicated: 12:04
